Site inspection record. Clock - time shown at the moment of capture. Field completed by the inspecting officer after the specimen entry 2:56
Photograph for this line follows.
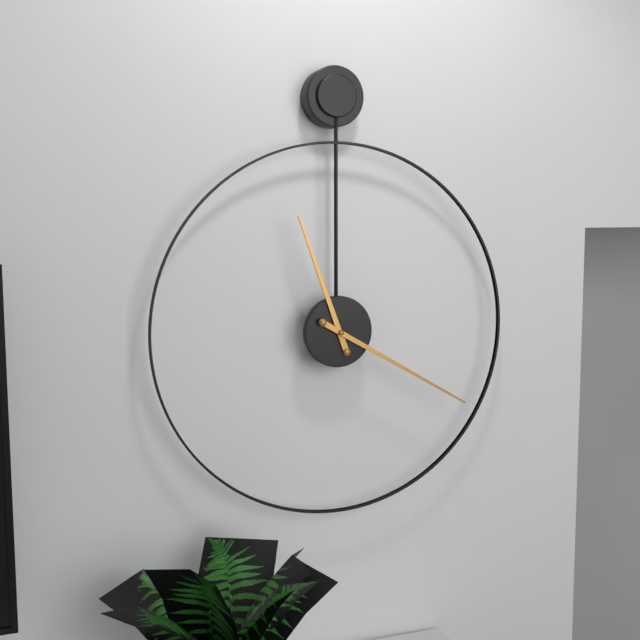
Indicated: 11:20
